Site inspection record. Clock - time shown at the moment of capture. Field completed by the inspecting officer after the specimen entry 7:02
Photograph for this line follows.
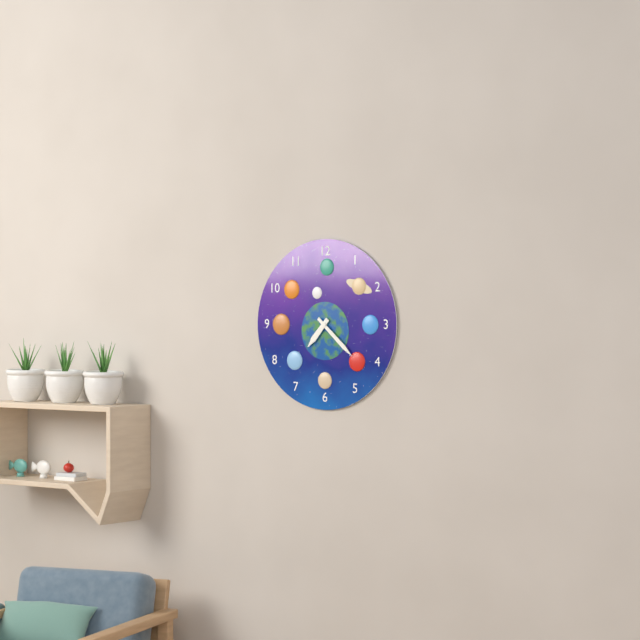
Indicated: 7:22
